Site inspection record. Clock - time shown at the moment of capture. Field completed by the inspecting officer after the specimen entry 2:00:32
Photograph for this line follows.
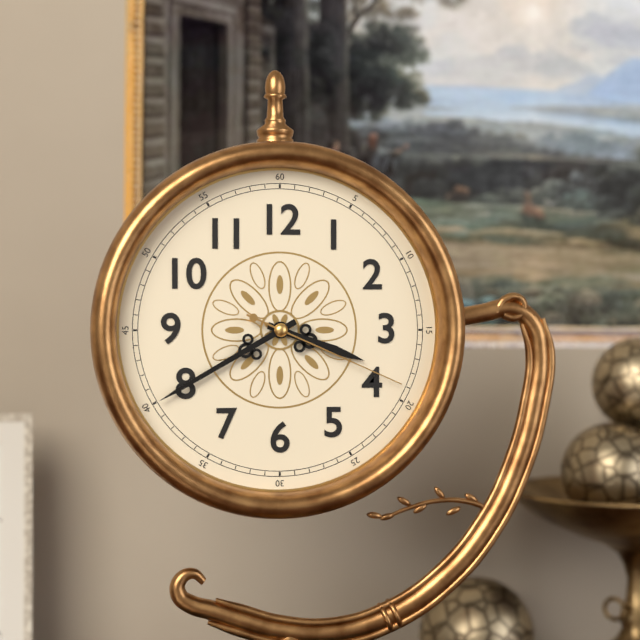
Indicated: 3:40:19
